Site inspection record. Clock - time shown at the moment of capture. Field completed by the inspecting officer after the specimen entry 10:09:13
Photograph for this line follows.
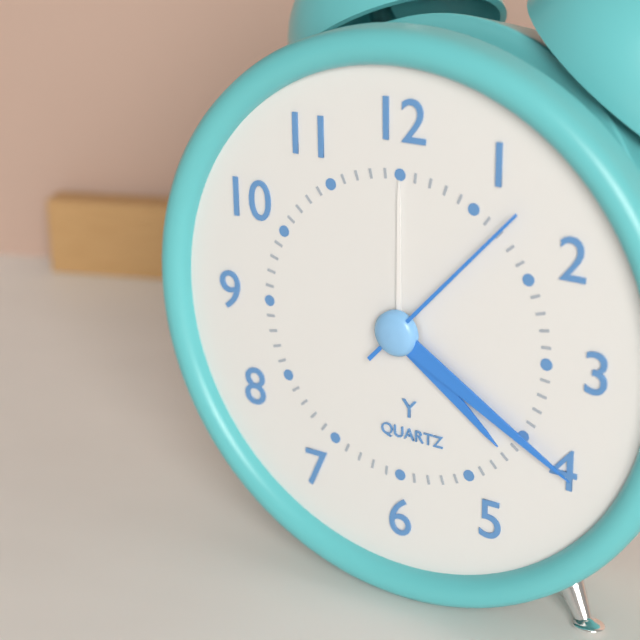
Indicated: 4:20:07
